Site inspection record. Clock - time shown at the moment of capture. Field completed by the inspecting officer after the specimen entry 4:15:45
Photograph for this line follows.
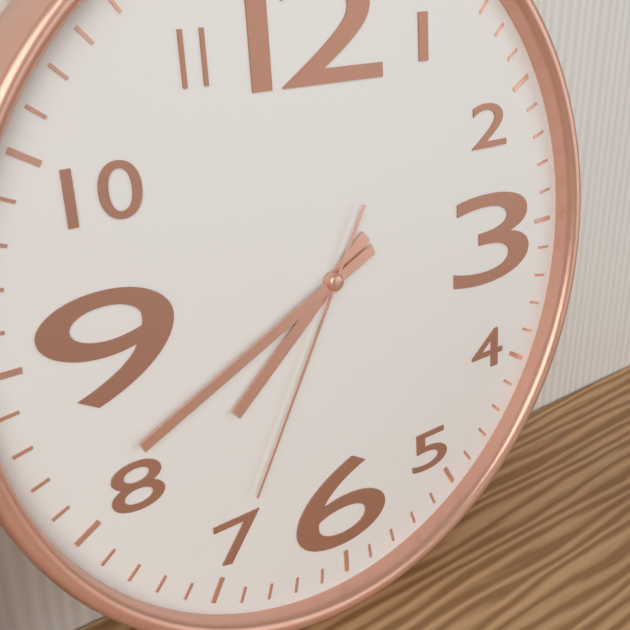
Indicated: 7:41:35
